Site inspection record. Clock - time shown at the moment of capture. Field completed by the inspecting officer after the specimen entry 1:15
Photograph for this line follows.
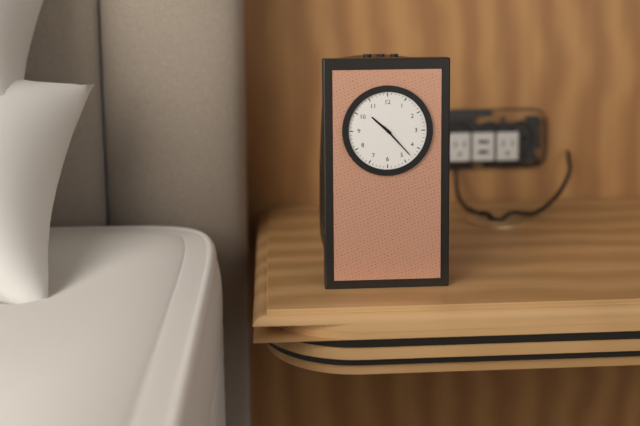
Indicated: 10:23
